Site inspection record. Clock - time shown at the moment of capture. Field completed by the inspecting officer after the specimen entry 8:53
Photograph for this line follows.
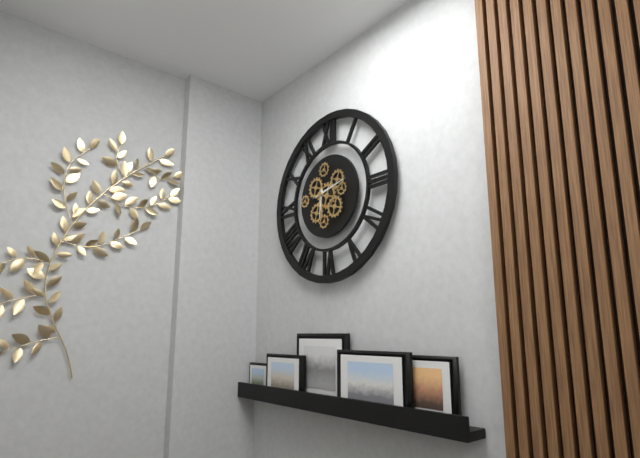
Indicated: 6:13
